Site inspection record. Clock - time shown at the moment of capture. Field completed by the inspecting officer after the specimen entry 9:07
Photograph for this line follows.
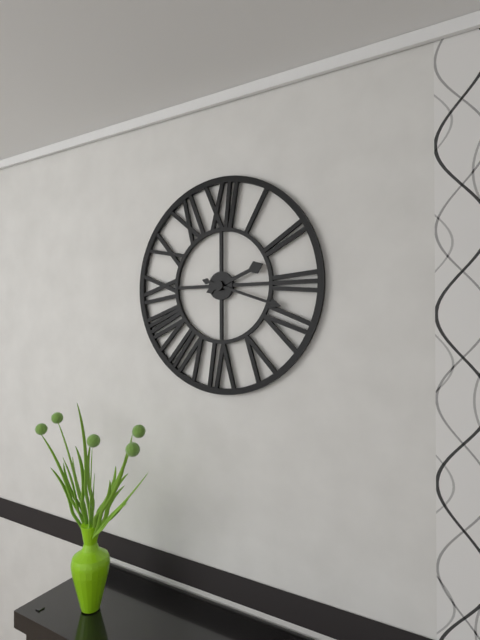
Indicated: 2:18
